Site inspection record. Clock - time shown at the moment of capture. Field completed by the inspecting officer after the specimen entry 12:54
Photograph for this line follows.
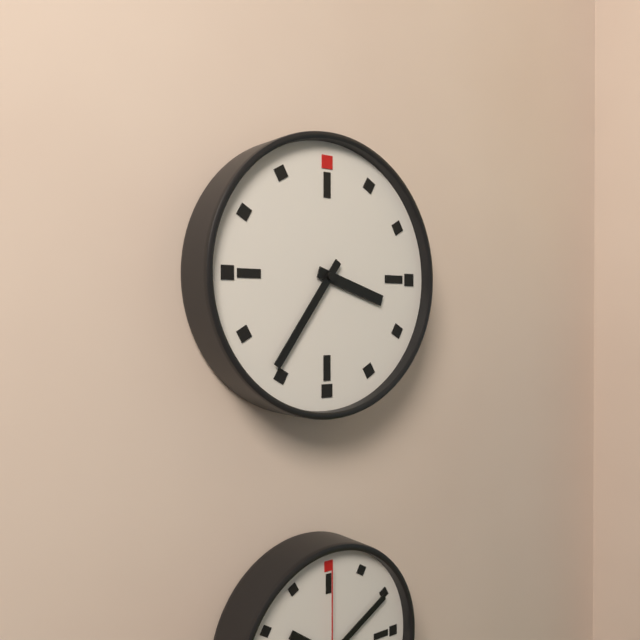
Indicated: 3:36
